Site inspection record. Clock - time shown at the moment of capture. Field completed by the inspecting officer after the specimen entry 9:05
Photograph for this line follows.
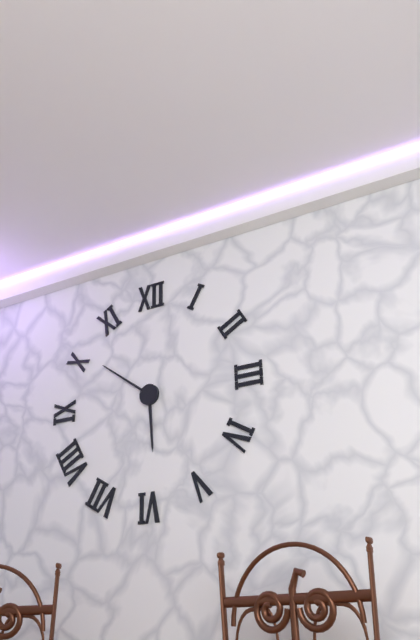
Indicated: 5:51
